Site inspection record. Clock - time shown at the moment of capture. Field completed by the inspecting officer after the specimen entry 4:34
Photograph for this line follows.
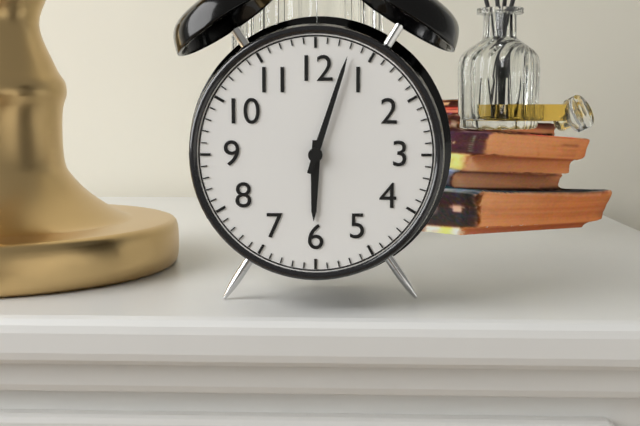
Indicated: 6:03
